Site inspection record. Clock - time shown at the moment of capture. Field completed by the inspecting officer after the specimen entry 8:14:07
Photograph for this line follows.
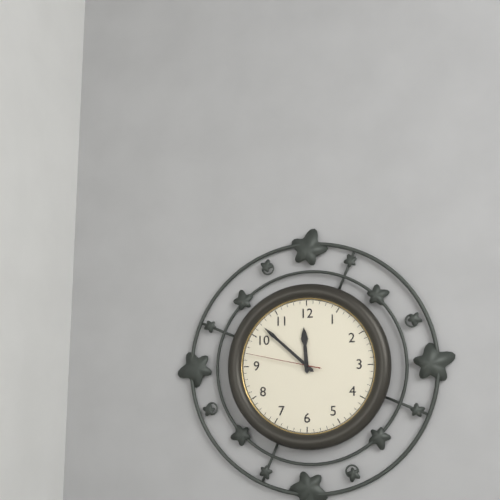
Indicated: 11:52:47
